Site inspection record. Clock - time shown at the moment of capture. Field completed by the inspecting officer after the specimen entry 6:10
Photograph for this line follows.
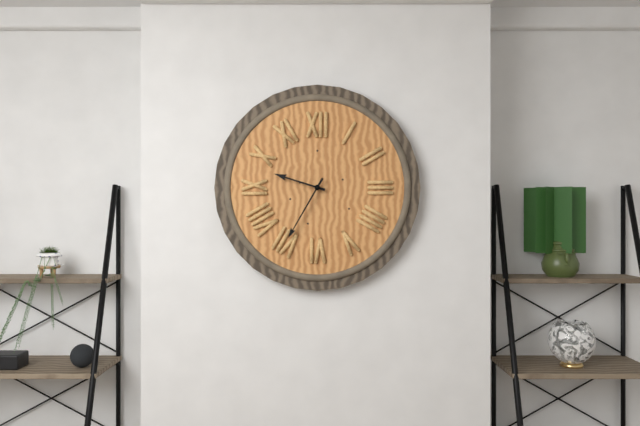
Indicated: 9:35
